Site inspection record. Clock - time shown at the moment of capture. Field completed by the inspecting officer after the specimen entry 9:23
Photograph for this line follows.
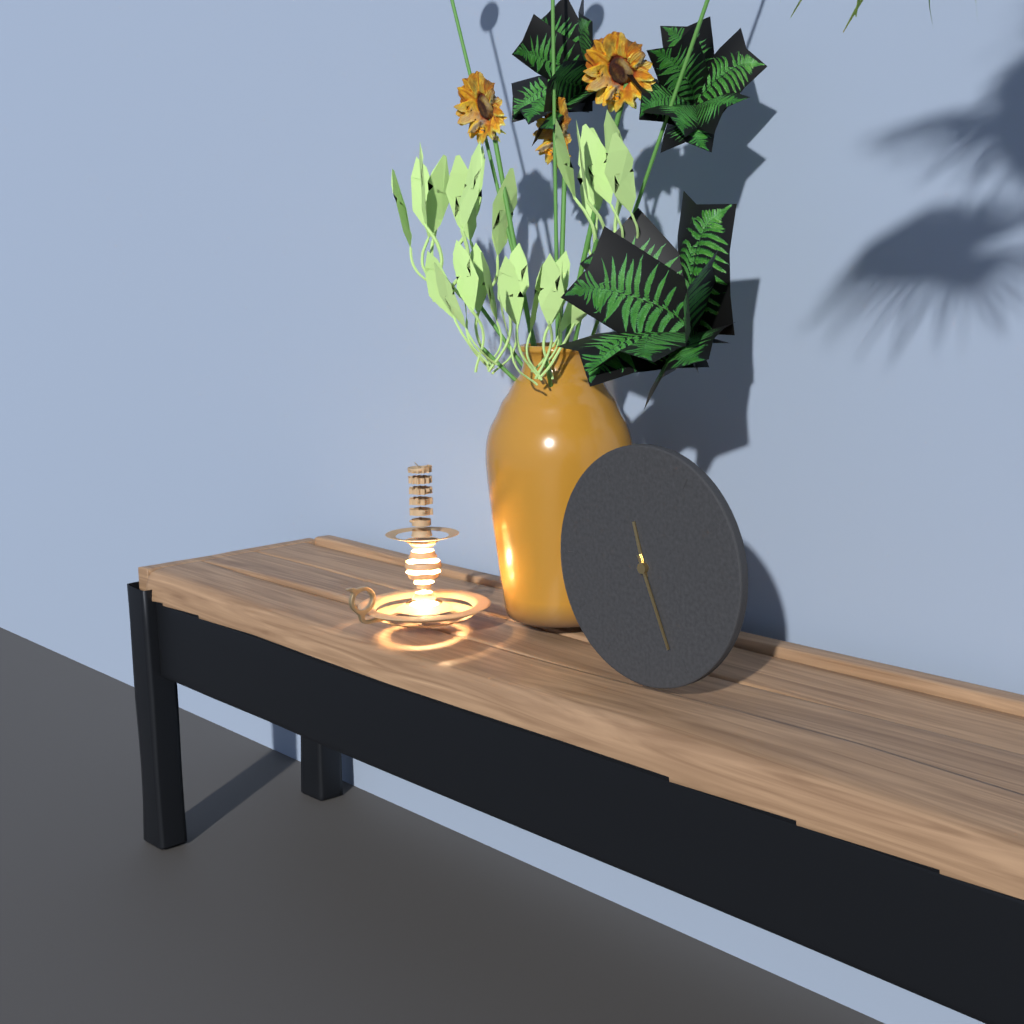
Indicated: 11:26
